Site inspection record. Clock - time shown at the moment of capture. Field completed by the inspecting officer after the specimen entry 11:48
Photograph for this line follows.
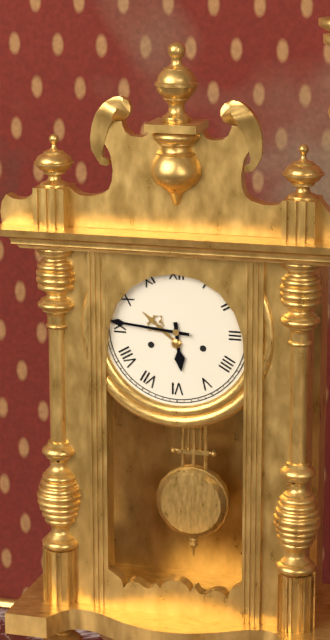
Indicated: 5:46
